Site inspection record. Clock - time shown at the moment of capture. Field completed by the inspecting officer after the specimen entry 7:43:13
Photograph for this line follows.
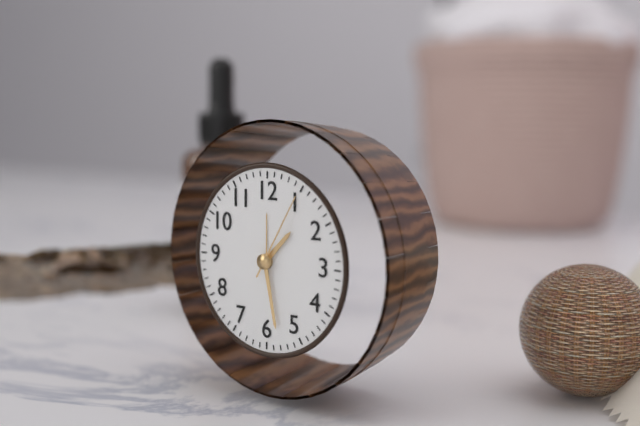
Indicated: 1:28:05
